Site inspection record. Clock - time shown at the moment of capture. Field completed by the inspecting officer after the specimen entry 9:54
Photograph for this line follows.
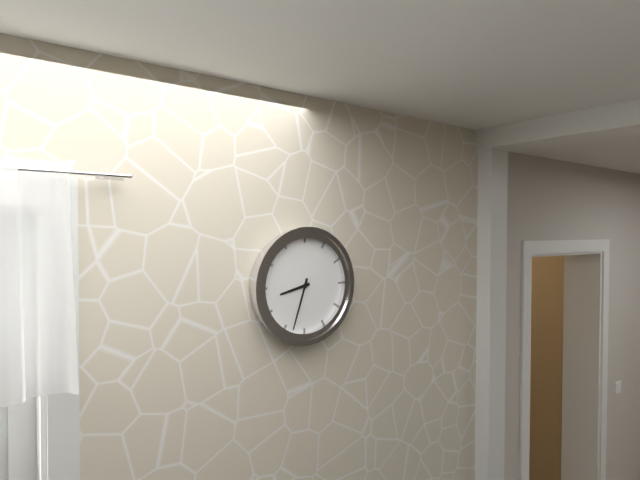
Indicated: 8:33
